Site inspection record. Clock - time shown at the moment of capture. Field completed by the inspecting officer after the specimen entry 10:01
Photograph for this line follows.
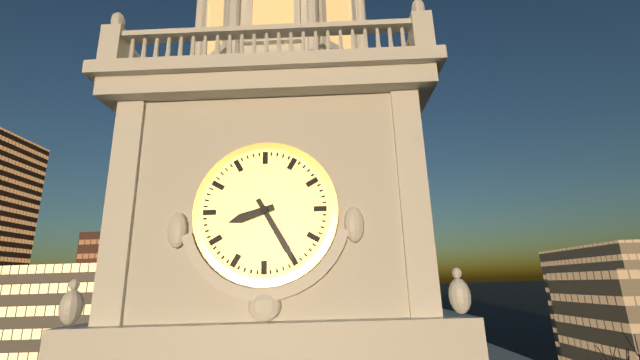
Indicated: 8:25
